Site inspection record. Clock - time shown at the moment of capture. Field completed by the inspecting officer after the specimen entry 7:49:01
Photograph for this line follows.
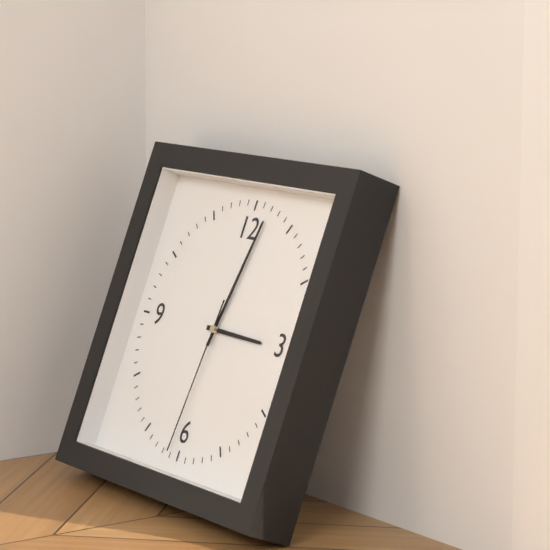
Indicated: 3:02:31
